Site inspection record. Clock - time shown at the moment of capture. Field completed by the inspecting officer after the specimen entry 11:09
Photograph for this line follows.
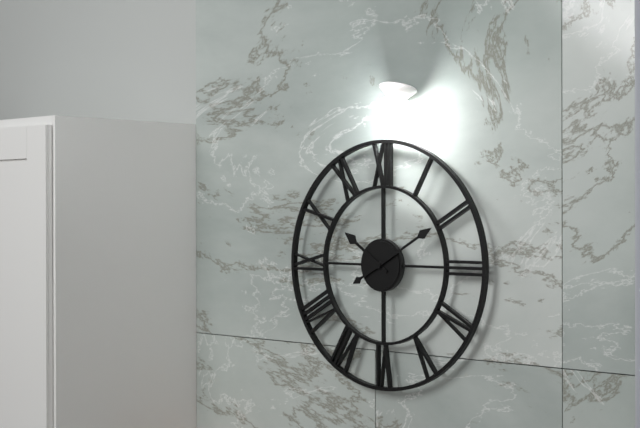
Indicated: 10:10
